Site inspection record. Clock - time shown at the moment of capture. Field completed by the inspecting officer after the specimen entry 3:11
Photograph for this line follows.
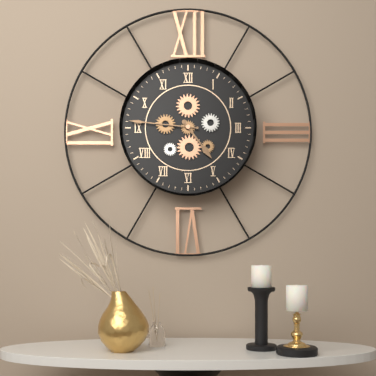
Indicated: 4:46
